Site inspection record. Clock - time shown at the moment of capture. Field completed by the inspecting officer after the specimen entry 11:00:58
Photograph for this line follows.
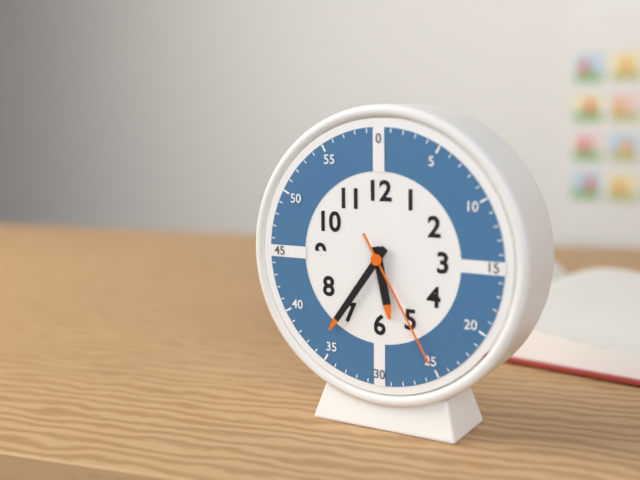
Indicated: 5:36:25
